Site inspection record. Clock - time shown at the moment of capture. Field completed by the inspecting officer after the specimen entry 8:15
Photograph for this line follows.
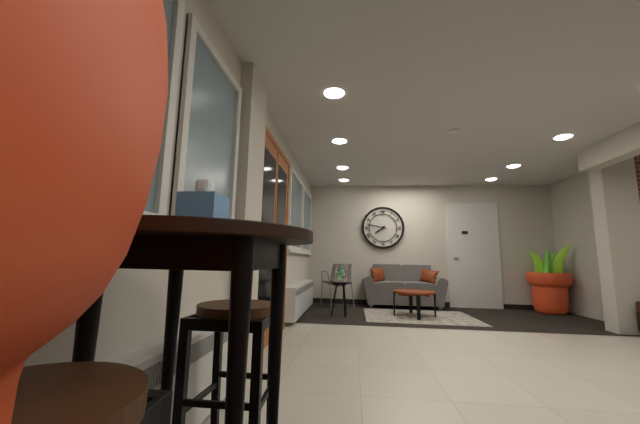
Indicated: 7:47
